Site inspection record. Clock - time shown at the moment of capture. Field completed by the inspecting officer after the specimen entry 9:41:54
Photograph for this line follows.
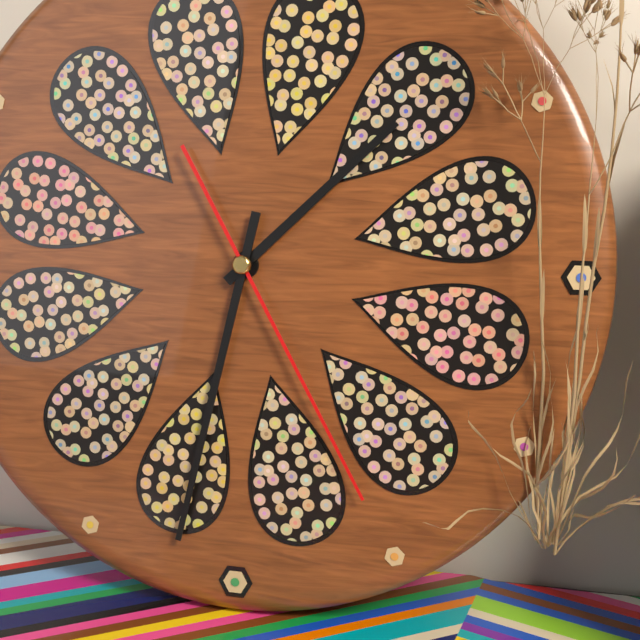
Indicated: 1:32:25
